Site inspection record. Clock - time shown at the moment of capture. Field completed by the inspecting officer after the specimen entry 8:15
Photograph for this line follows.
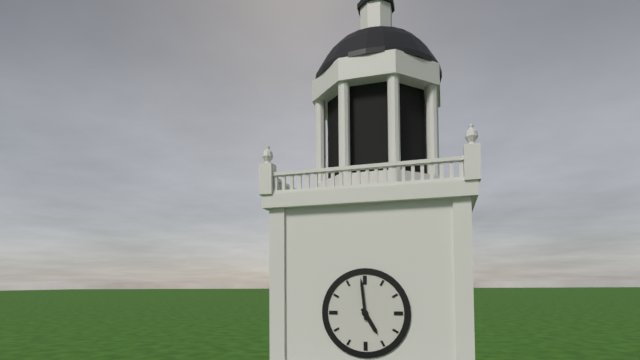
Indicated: 4:59
